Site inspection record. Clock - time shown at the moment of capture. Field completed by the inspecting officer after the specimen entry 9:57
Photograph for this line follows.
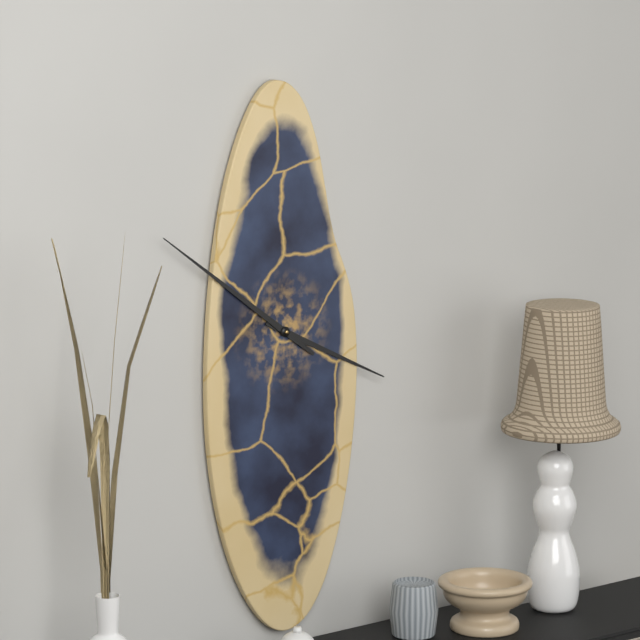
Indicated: 3:51
